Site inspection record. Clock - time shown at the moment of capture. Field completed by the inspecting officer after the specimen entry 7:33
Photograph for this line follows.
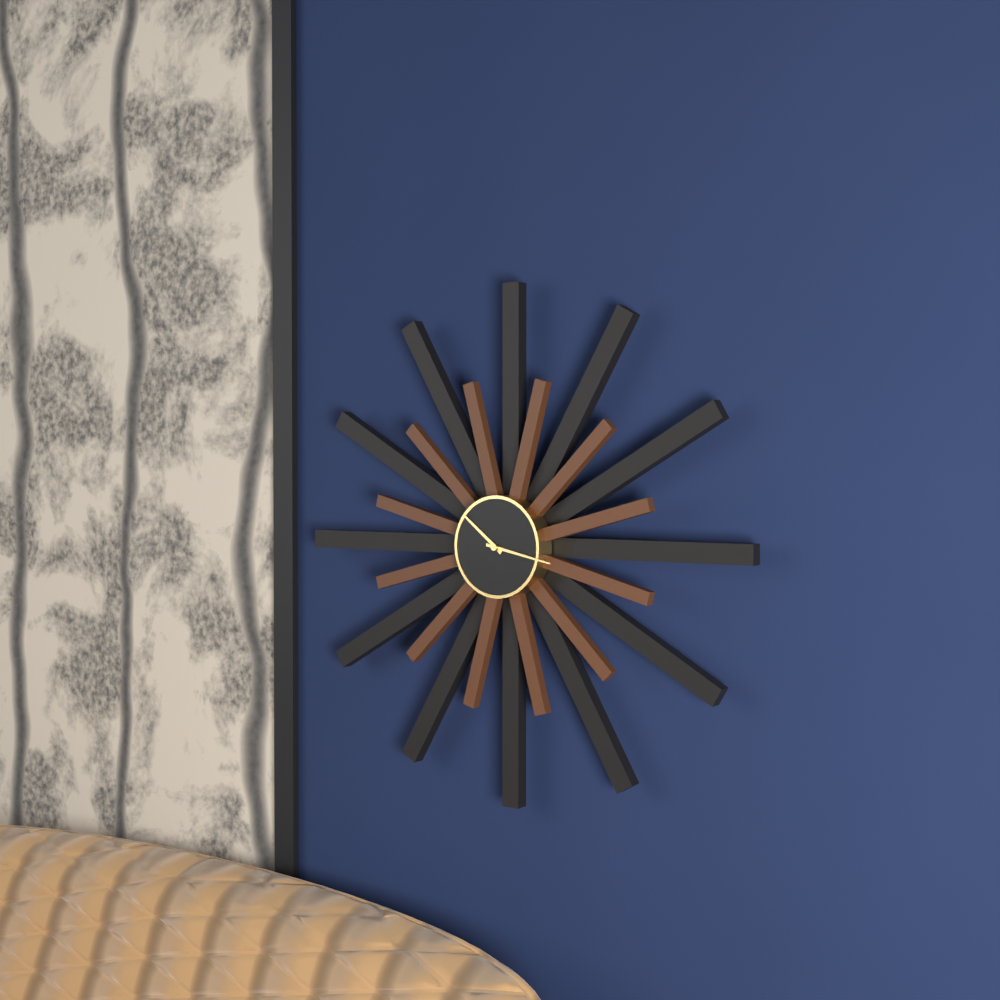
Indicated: 10:17
